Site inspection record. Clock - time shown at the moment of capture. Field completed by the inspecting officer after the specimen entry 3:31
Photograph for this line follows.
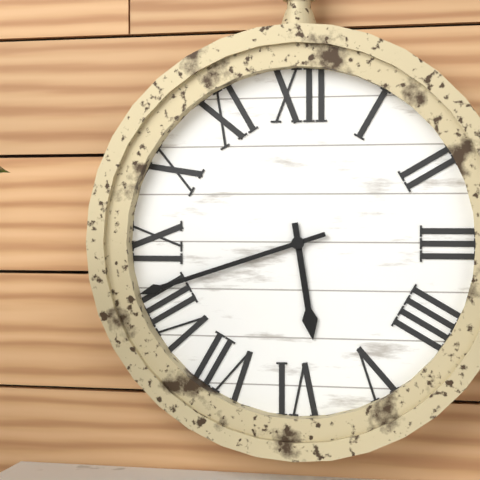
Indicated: 5:42
